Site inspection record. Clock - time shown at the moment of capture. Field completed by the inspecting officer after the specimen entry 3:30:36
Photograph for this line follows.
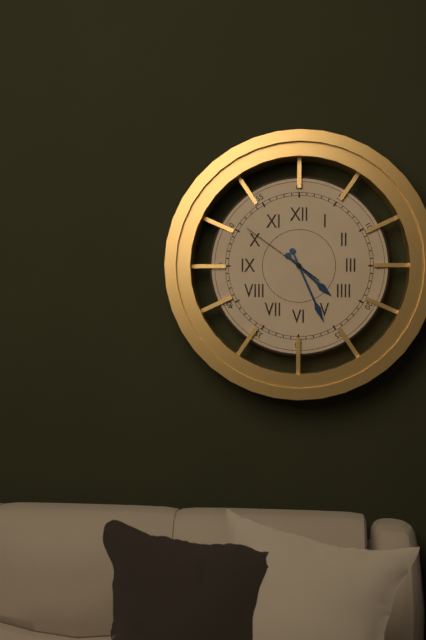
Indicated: 4:26:51
